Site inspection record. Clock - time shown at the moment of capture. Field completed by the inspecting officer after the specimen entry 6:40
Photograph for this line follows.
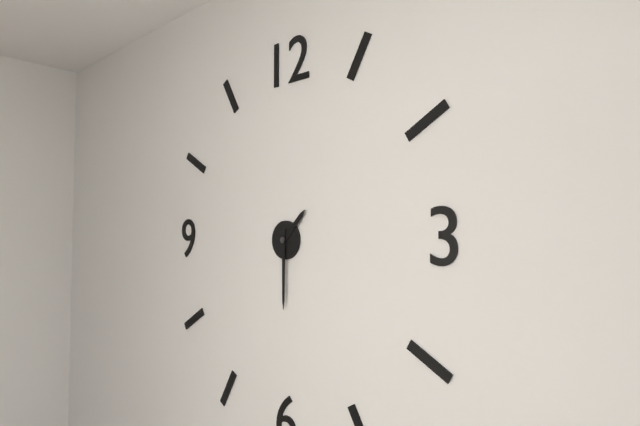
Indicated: 1:30
